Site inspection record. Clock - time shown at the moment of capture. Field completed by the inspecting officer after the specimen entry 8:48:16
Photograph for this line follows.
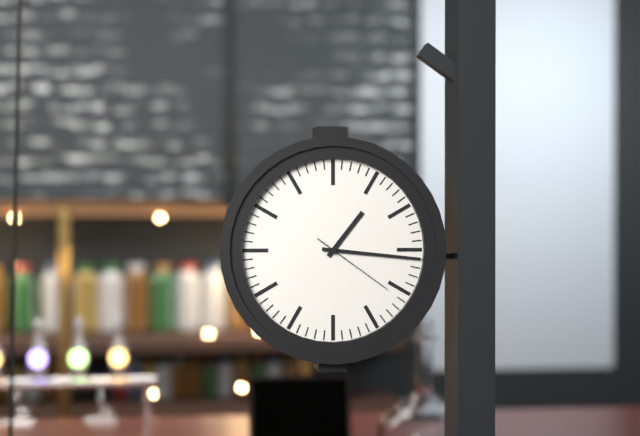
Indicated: 1:16:21
